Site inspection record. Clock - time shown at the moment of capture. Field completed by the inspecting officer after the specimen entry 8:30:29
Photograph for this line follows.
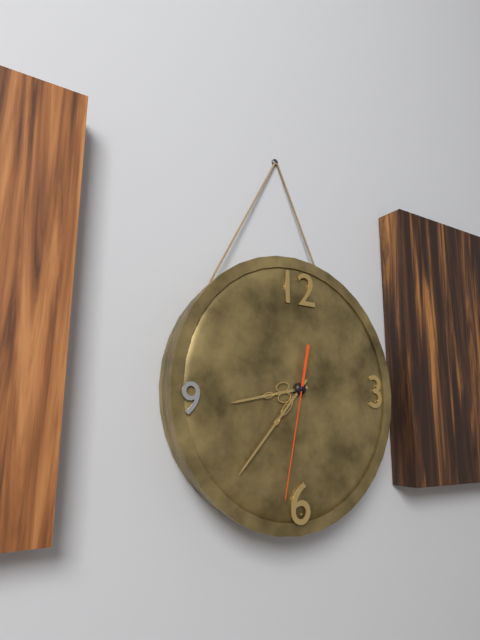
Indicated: 8:37:32
